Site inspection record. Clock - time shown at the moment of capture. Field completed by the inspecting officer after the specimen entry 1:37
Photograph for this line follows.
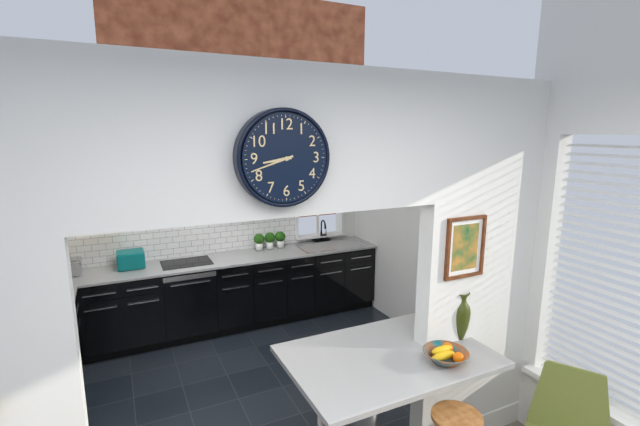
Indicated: 8:42
